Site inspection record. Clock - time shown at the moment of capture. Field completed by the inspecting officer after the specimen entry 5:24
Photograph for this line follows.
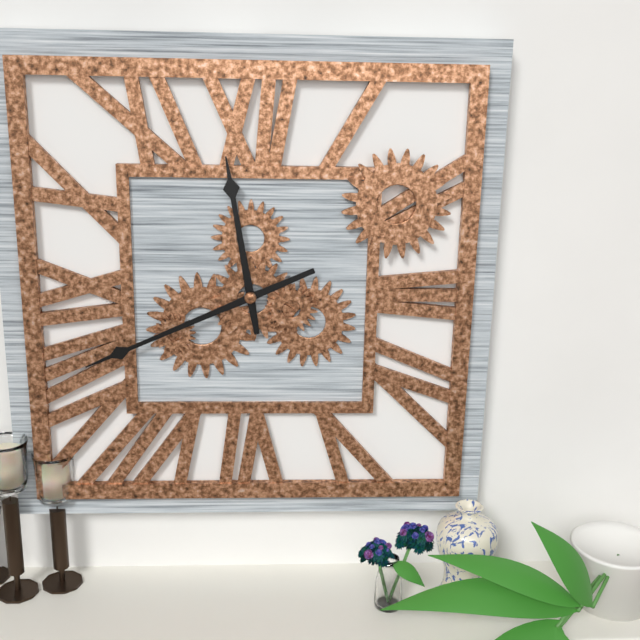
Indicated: 11:41
